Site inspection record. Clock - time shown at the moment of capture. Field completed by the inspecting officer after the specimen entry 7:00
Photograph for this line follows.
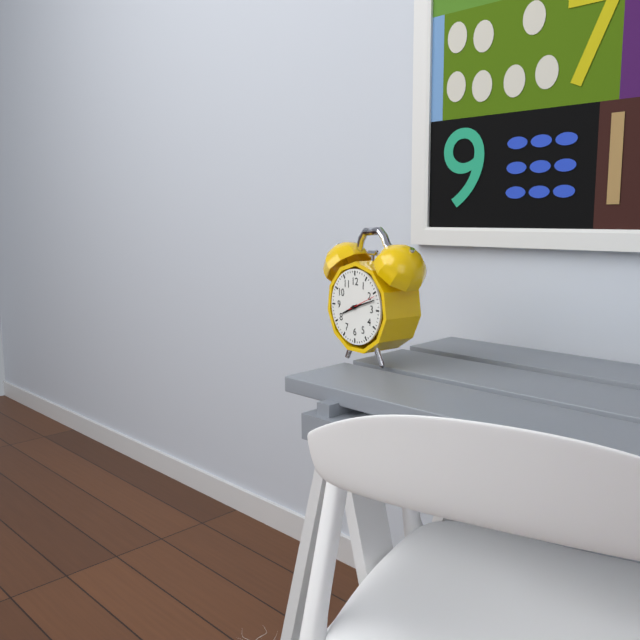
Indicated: 8:12
